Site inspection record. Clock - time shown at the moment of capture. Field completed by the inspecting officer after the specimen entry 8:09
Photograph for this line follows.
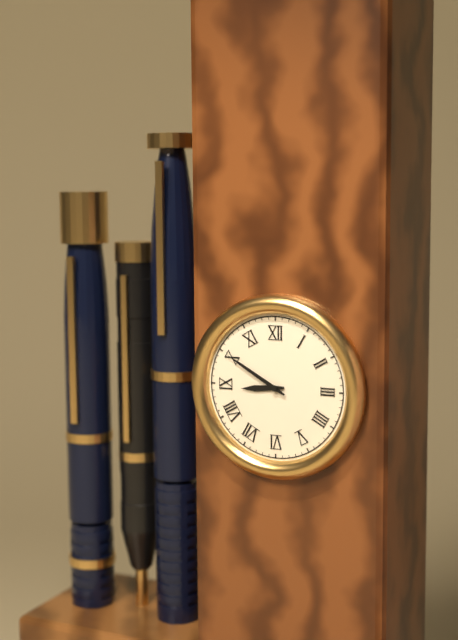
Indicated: 8:50
